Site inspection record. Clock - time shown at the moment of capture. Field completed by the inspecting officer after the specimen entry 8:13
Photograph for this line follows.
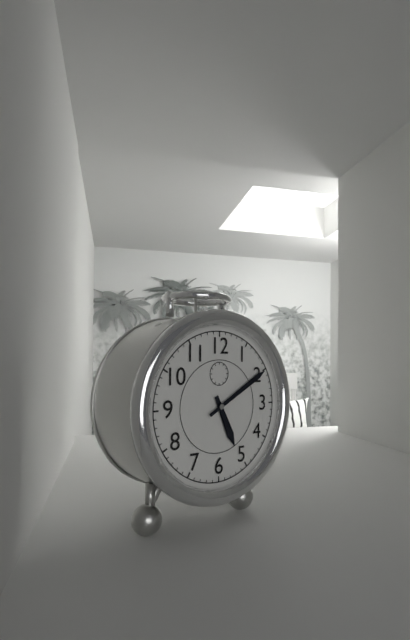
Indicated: 5:10
